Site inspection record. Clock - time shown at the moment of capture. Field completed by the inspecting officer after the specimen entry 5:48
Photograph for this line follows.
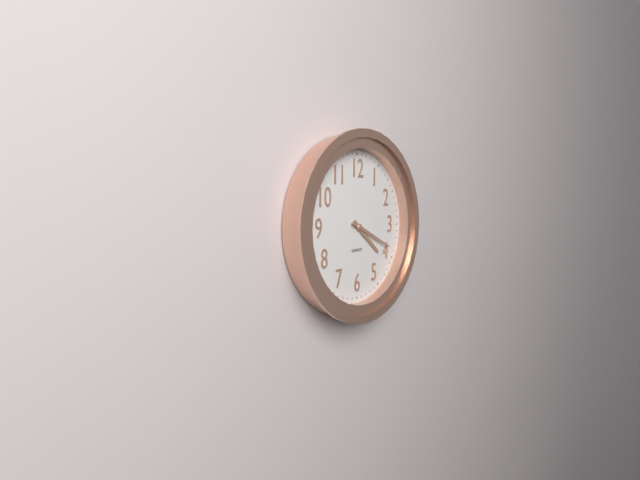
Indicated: 4:19
